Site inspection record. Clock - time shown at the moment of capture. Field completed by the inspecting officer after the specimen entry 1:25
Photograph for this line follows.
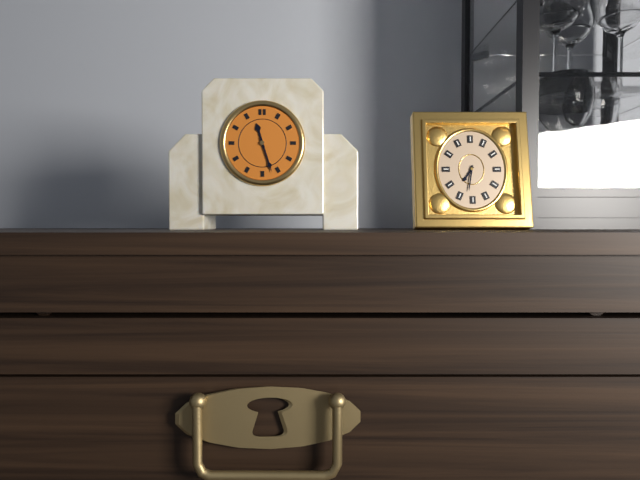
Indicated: 11:27
